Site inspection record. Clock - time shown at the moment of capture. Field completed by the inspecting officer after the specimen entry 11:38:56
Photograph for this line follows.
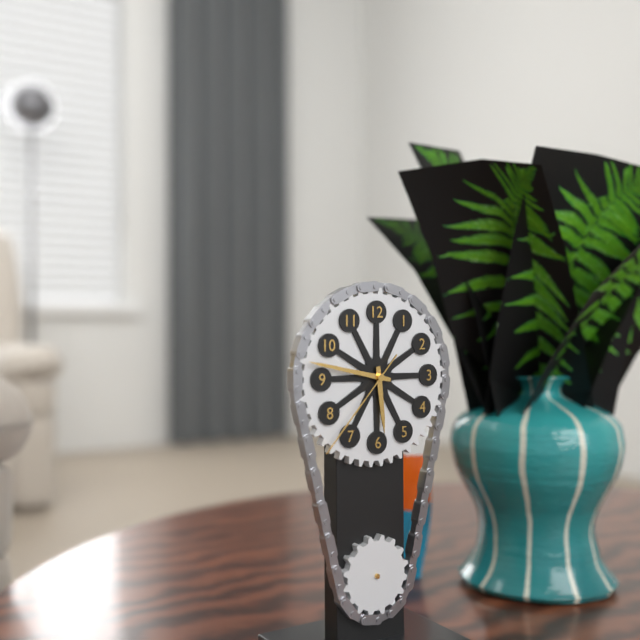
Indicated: 5:47:37
